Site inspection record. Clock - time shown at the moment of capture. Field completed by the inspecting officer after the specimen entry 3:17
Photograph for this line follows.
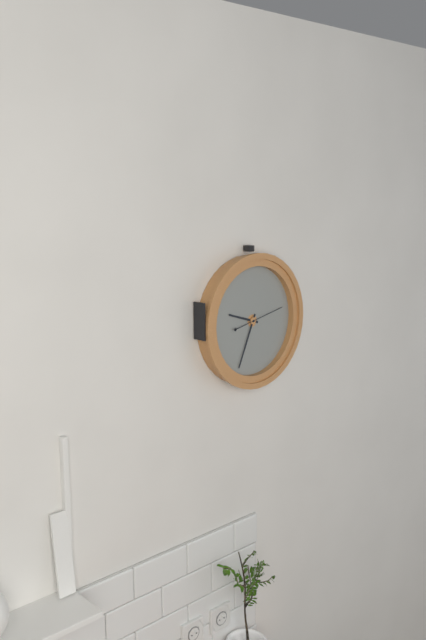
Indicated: 9:34
